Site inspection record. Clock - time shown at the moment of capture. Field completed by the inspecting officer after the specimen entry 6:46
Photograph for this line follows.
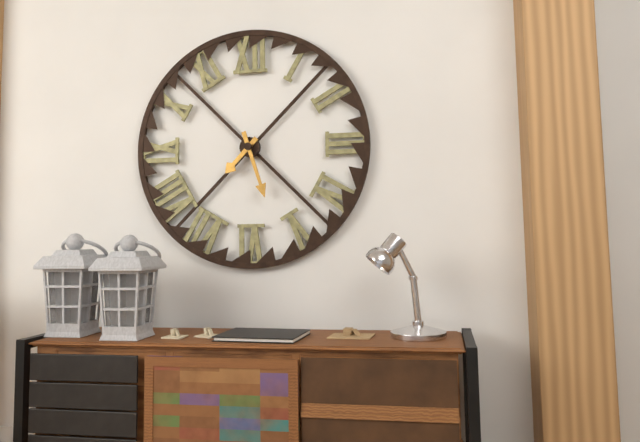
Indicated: 7:27
